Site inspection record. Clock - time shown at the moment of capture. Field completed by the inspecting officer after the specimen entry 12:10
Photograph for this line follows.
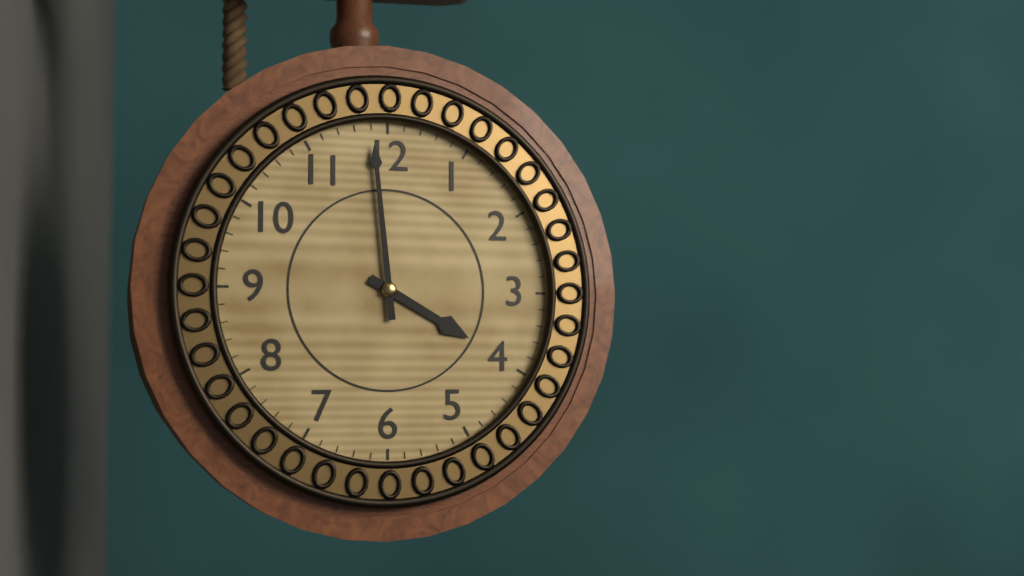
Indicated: 3:59
